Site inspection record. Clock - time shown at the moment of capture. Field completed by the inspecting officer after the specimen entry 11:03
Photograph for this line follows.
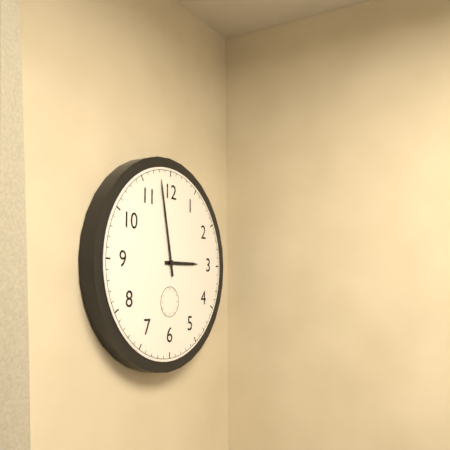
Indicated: 2:58
